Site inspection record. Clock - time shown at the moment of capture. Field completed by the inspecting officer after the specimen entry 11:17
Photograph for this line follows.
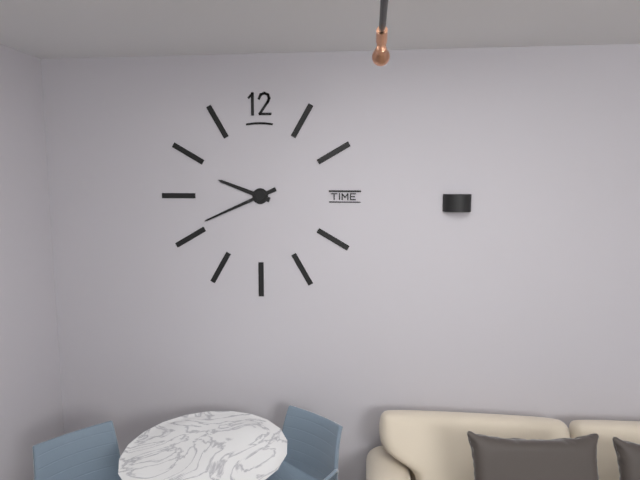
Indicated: 9:41
